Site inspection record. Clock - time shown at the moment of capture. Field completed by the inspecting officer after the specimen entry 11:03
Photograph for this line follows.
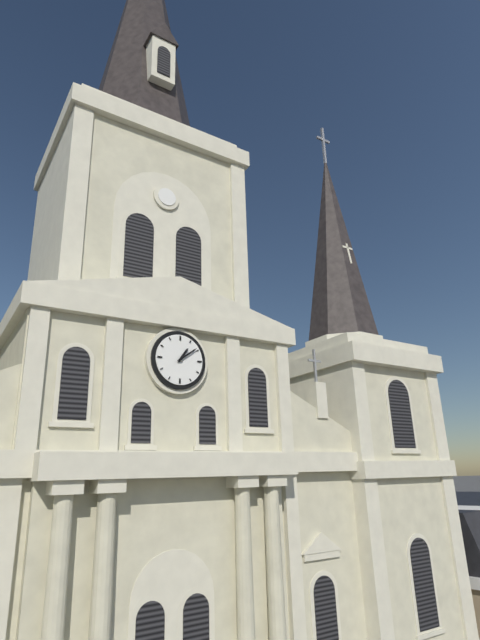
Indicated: 1:09
